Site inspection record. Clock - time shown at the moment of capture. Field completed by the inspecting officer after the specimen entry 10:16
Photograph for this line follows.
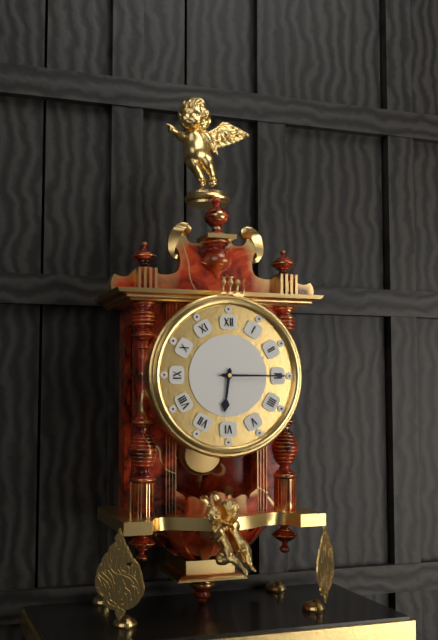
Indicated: 6:15
